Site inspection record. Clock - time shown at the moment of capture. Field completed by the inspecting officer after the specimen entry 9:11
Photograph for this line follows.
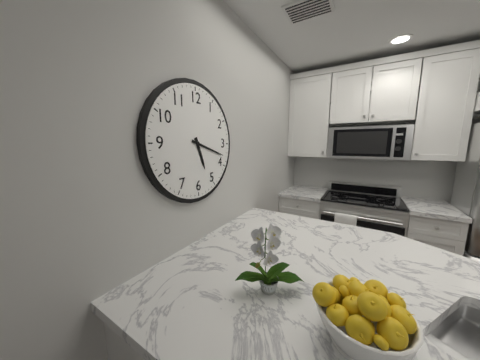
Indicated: 5:18
